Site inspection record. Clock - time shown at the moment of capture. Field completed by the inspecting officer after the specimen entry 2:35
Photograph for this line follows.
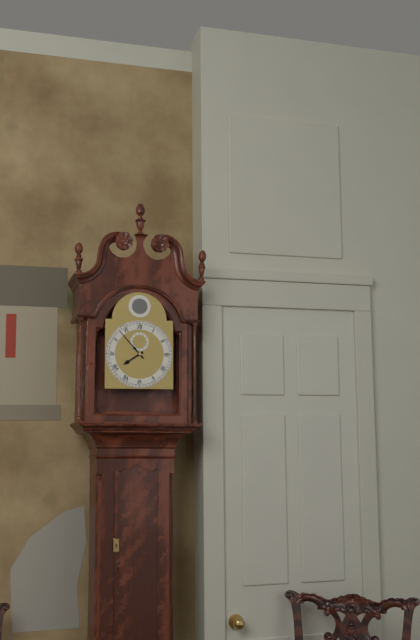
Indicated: 7:53
